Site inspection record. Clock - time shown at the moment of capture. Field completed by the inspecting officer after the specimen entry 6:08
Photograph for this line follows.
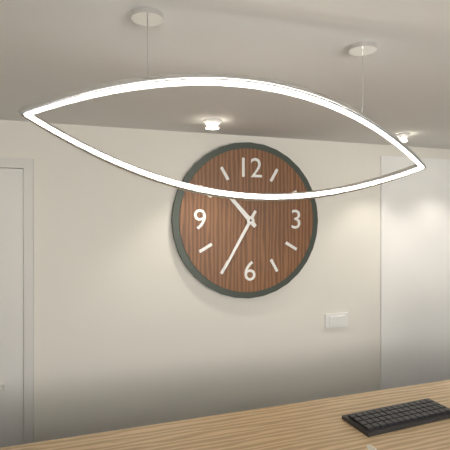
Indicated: 10:35
